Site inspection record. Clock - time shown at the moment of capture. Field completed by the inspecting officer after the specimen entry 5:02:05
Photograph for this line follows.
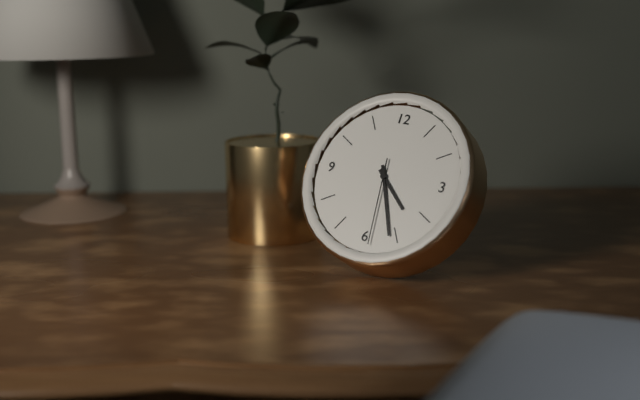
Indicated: 4:26:29
